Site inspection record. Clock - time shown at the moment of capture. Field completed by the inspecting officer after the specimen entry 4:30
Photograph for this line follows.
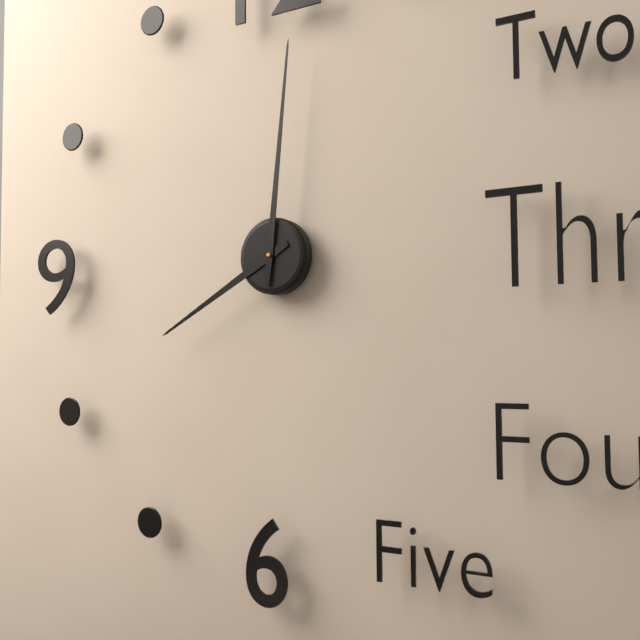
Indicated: 8:01
